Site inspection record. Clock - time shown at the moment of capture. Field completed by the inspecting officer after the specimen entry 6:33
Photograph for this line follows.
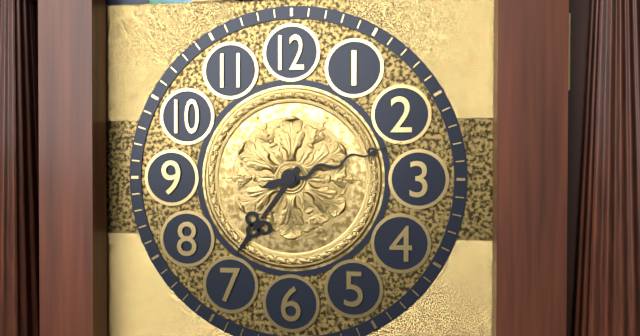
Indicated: 7:12
